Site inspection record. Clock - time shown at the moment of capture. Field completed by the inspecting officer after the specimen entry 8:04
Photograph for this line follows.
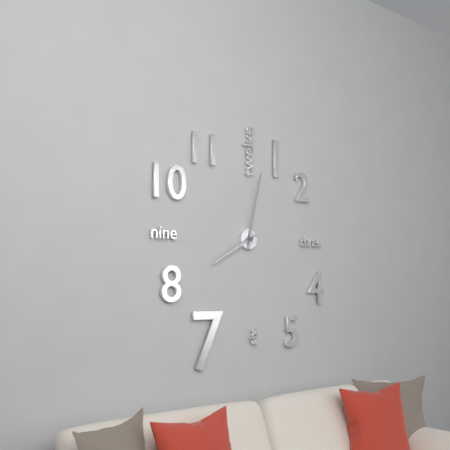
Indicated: 8:02
